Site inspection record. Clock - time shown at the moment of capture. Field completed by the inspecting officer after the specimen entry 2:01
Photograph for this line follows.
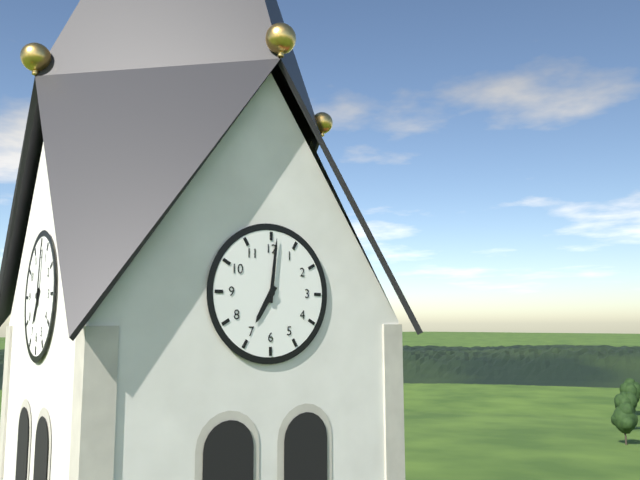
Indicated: 7:01
